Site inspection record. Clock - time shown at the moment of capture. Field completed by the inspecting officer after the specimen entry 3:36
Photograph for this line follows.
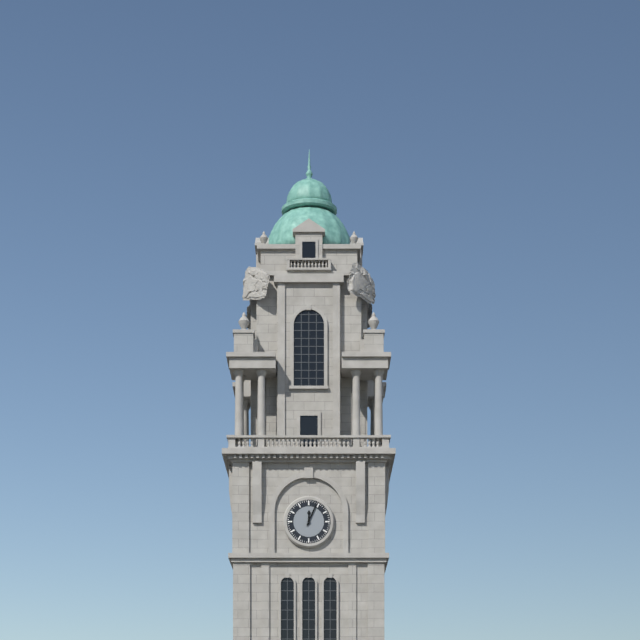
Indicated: 12:04
